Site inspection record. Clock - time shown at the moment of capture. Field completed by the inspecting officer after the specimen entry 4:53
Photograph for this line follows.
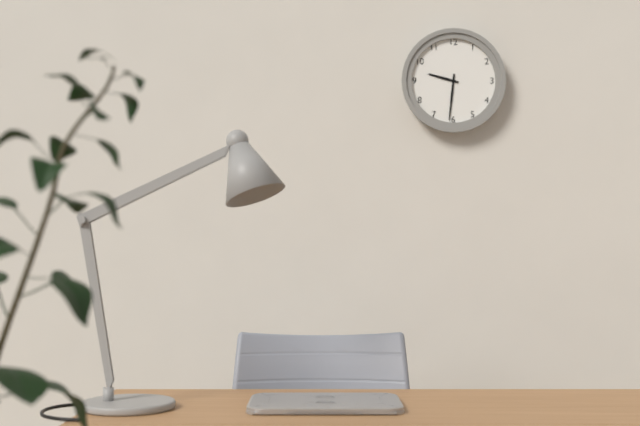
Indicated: 9:31
